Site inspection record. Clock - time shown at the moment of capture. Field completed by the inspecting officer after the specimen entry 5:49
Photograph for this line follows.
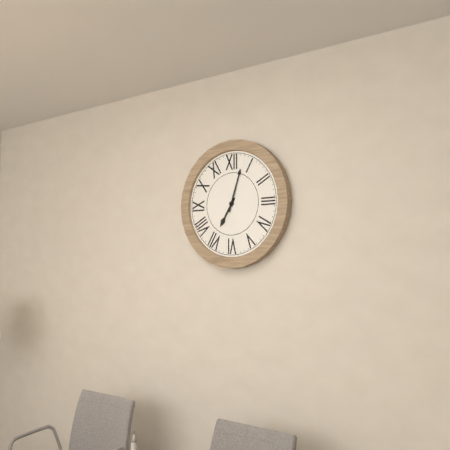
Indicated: 7:03
